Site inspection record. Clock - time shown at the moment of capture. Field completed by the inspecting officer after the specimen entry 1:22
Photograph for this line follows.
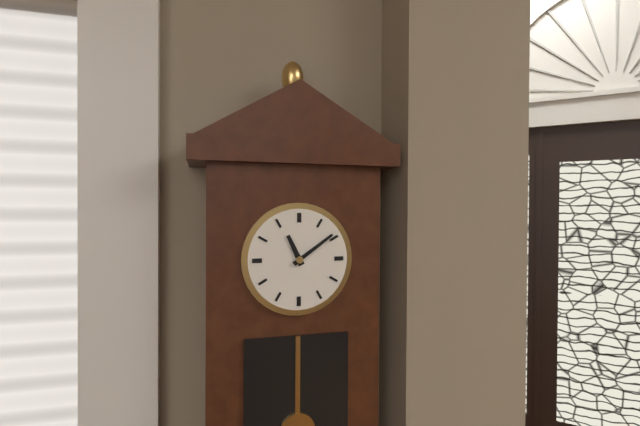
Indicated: 11:09
